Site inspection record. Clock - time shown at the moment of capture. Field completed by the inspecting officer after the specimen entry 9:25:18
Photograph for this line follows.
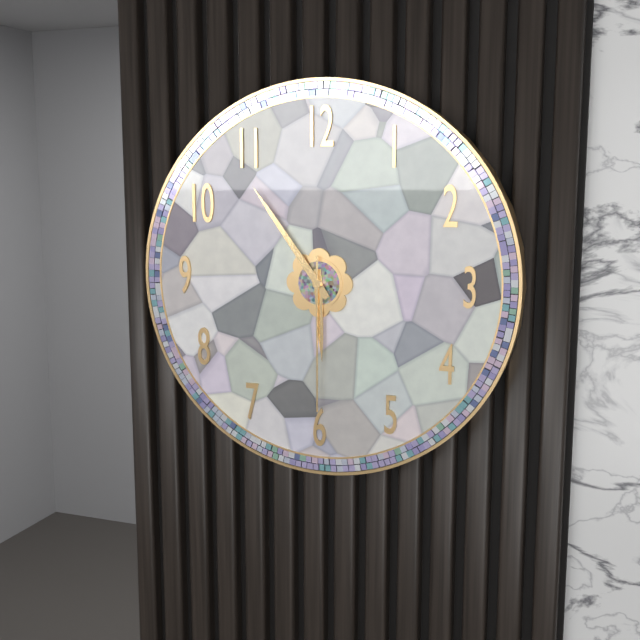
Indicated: 5:54:30
